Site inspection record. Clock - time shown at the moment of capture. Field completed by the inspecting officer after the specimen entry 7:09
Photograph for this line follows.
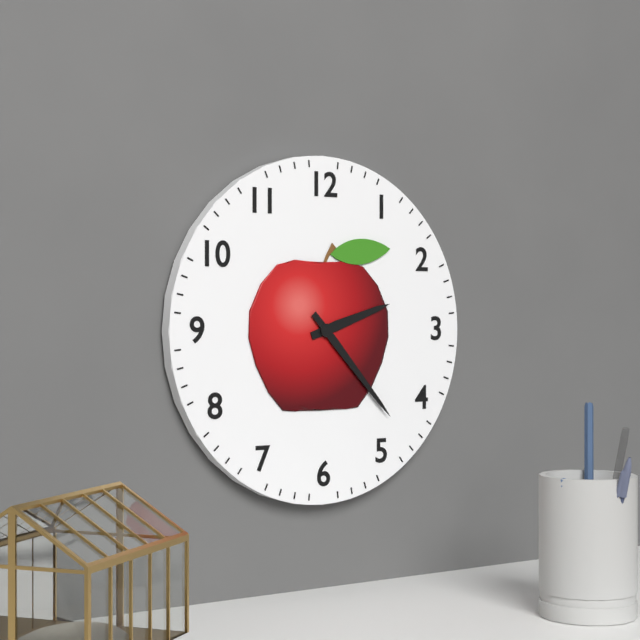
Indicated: 2:23
